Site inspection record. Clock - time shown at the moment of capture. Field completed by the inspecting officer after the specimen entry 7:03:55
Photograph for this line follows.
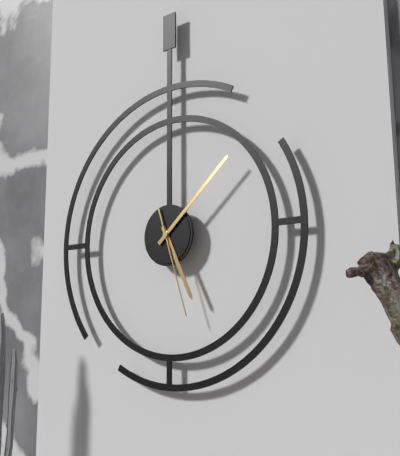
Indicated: 5:08:27
